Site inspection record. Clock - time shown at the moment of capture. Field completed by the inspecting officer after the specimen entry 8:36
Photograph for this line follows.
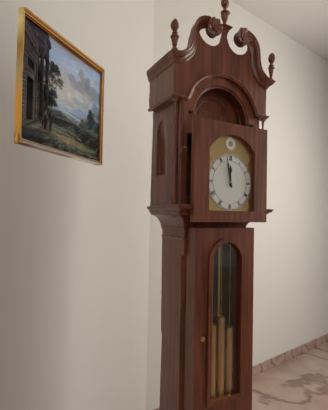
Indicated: 11:58
